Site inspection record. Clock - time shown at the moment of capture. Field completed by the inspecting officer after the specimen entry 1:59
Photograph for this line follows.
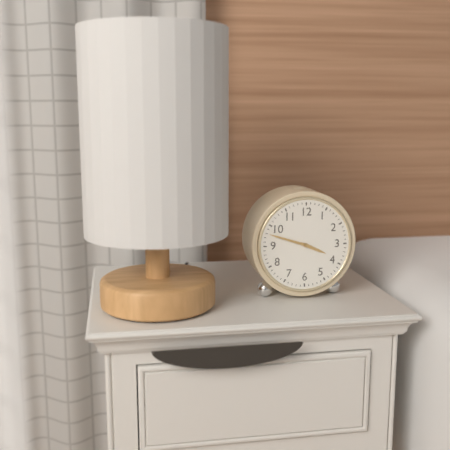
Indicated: 3:48
